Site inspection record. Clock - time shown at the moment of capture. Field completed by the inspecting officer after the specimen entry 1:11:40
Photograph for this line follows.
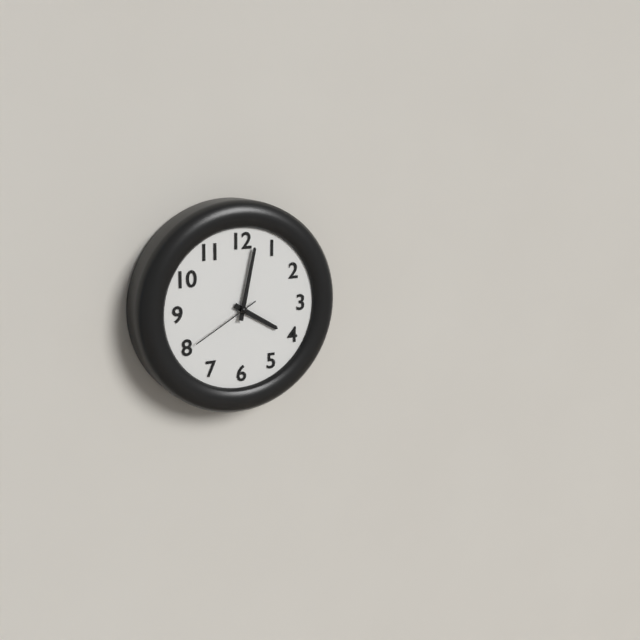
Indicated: 4:02:40
